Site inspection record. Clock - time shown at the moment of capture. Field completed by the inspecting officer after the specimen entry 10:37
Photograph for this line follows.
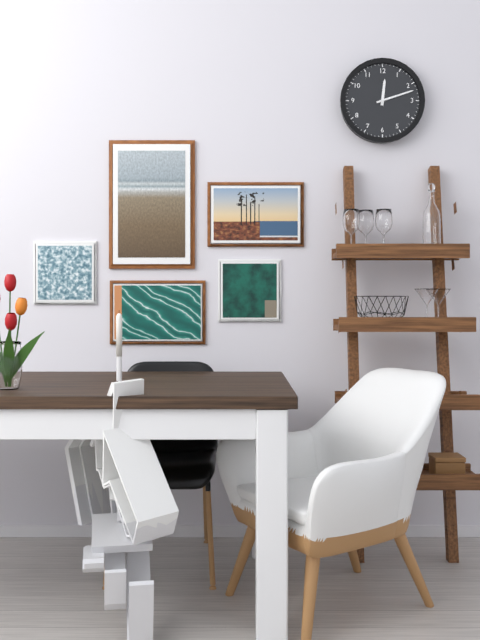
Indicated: 12:12
